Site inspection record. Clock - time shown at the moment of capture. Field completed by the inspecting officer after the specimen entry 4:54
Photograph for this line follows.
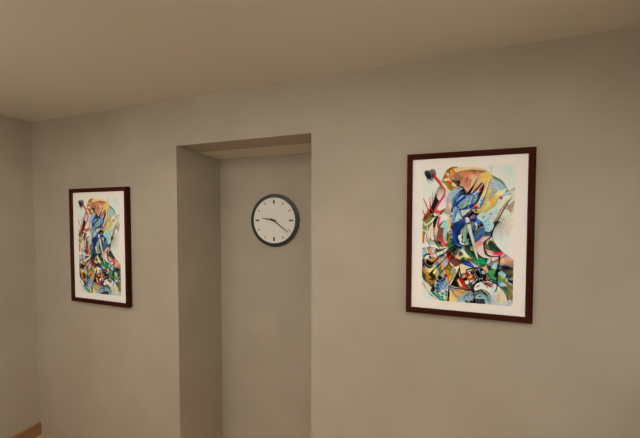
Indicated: 9:21
